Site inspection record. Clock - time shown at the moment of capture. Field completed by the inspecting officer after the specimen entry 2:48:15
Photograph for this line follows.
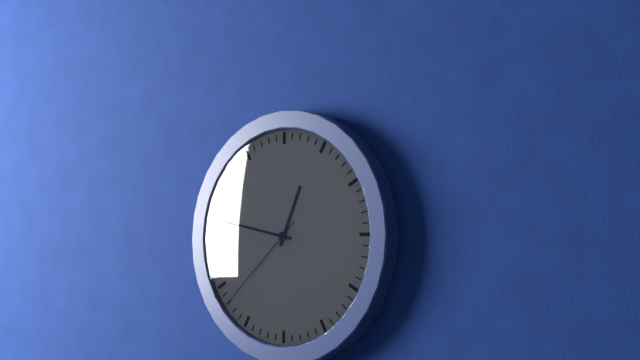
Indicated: 12:47:38
